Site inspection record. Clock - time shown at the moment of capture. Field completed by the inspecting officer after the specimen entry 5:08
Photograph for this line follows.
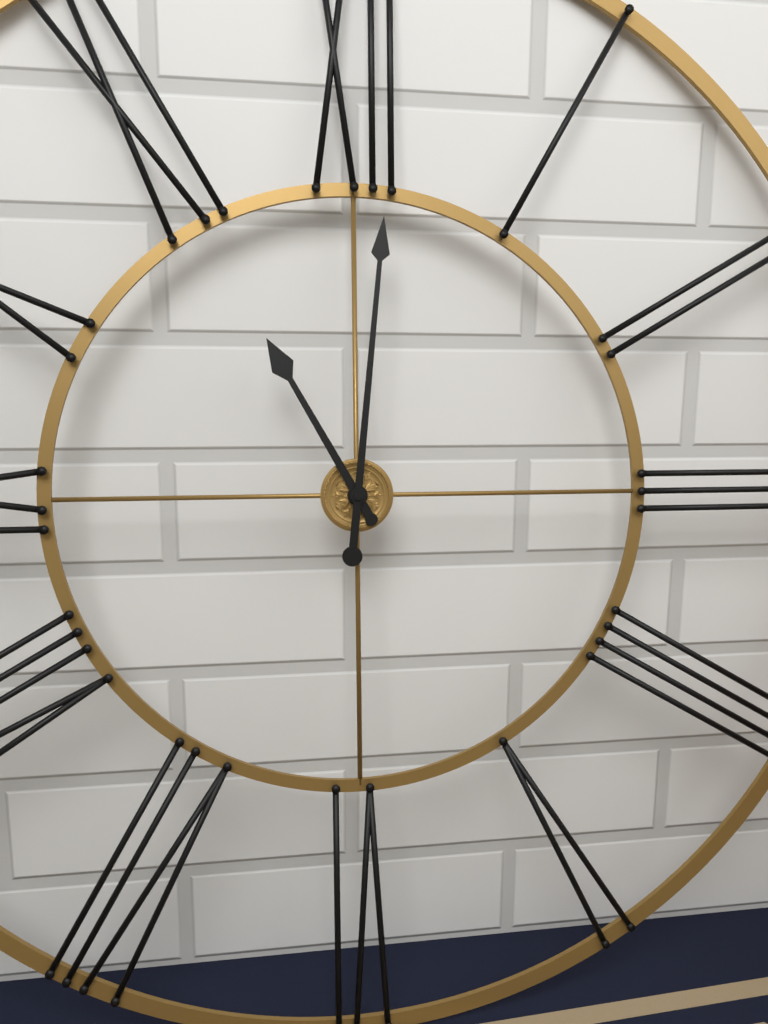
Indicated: 11:01
